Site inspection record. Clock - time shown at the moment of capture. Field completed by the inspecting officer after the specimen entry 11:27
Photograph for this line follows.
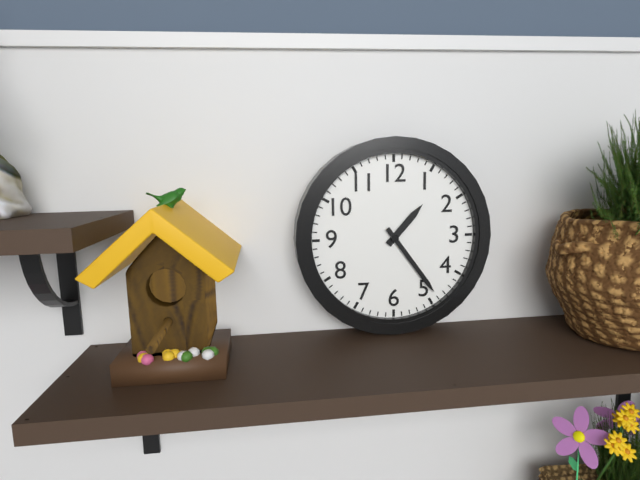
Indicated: 1:24
